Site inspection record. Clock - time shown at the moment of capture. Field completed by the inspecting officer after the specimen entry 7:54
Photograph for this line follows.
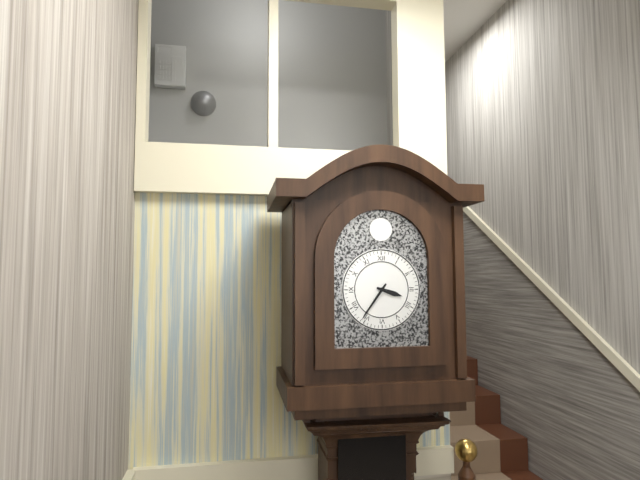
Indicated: 3:36
